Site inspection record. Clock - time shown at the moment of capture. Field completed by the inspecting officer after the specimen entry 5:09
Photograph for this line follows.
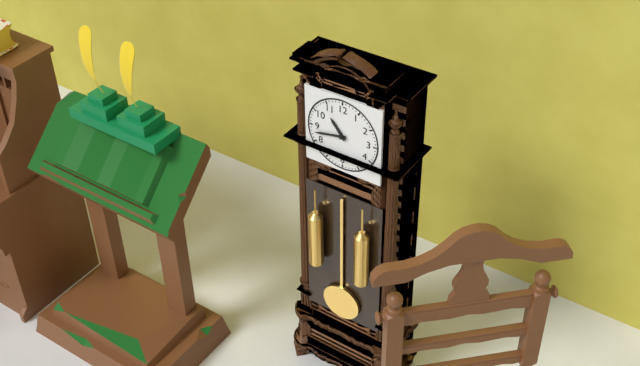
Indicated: 10:43
